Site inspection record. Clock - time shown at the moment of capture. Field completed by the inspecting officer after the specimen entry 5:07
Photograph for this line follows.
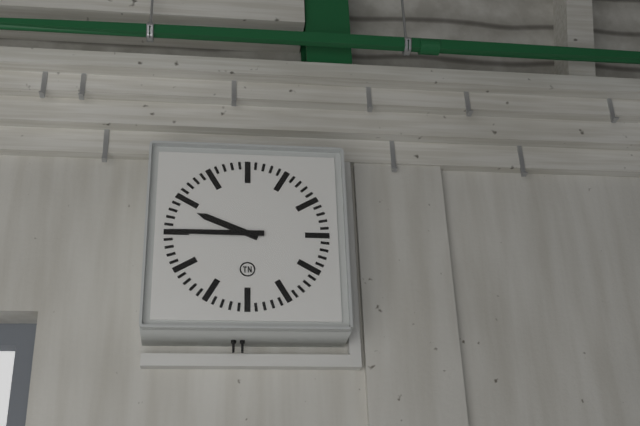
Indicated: 9:45
